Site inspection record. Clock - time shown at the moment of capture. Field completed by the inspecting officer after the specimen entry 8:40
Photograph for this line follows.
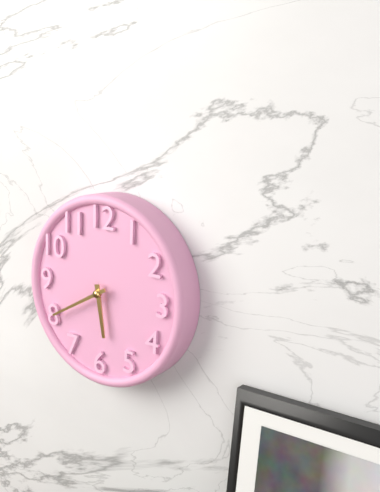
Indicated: 5:40
